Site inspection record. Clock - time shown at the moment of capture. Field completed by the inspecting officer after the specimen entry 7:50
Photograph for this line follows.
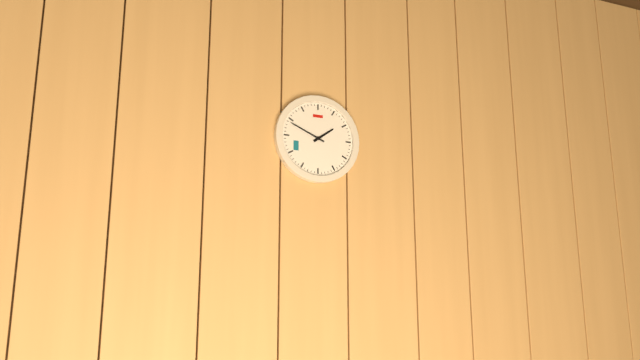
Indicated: 1:49
